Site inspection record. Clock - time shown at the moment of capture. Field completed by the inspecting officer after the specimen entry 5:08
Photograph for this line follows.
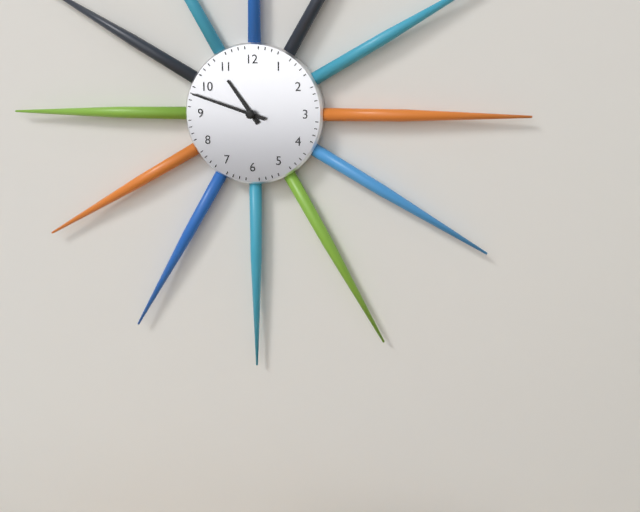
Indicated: 10:48
